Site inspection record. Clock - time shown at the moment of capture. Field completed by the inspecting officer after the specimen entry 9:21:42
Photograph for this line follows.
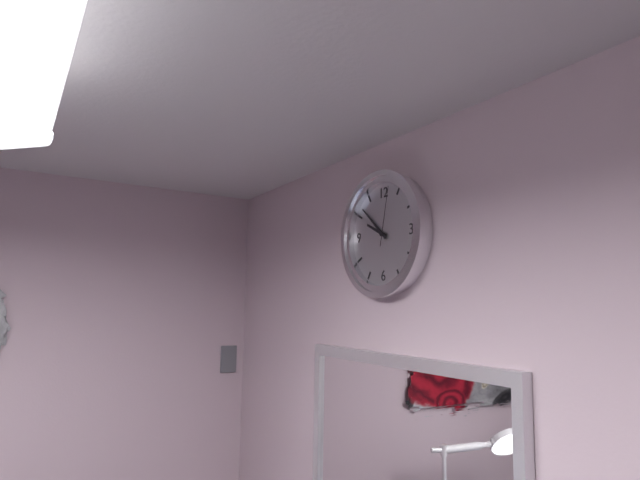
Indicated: 9:52:02
